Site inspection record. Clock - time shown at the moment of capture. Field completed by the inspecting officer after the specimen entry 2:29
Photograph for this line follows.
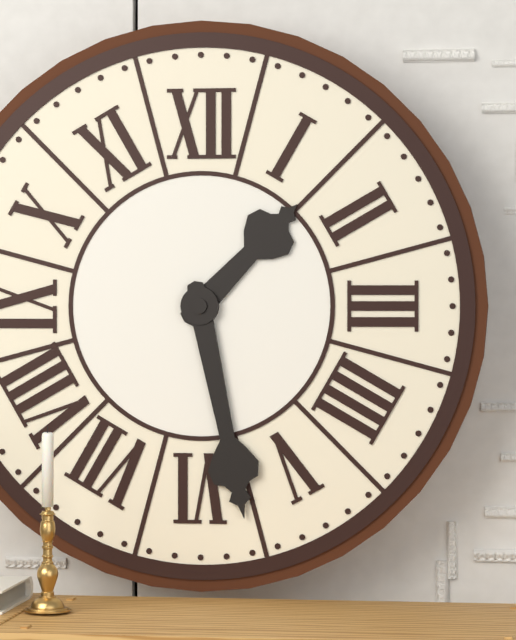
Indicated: 1:28
